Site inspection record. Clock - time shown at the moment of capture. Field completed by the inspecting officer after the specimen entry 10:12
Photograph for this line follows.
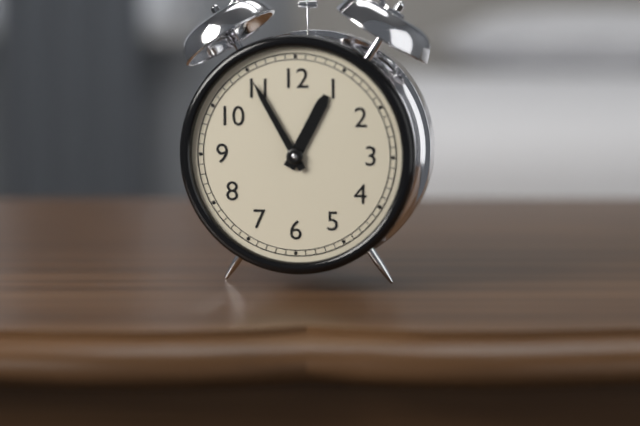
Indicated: 12:55
